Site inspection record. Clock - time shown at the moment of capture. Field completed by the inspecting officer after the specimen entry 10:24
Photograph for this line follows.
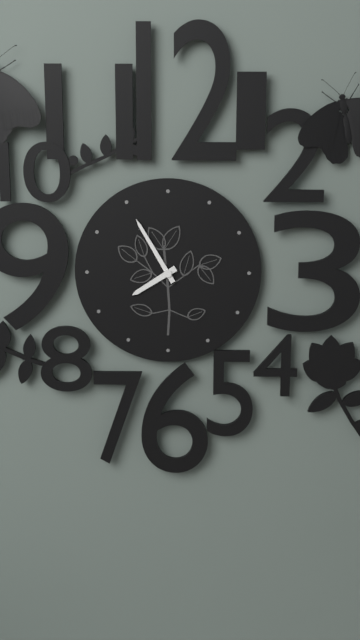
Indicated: 7:55
